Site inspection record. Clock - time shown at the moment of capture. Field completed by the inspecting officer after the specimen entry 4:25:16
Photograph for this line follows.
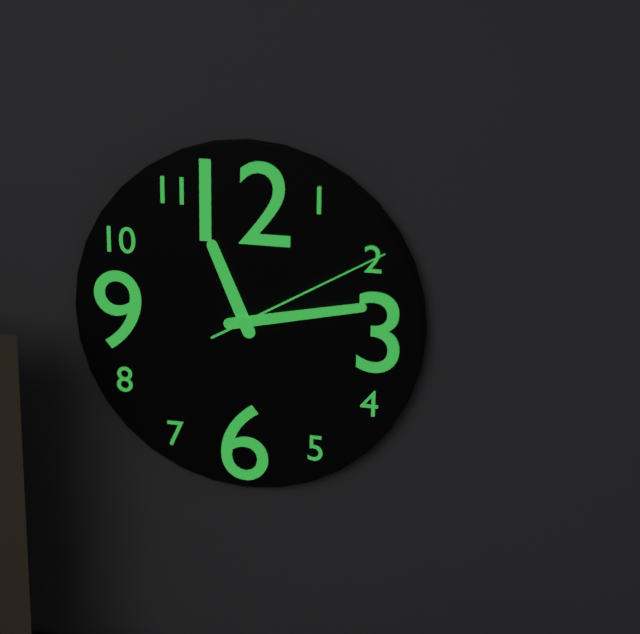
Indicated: 11:13:10
